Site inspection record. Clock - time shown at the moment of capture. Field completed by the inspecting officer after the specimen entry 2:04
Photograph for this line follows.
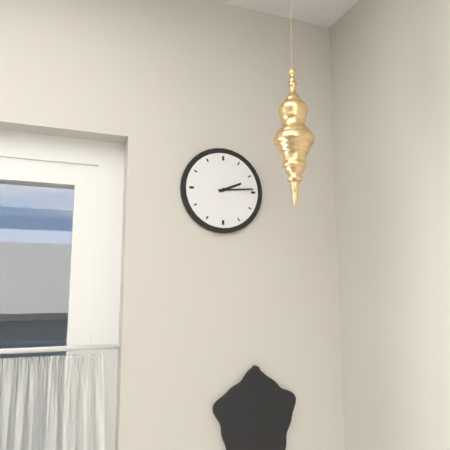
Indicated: 2:14
